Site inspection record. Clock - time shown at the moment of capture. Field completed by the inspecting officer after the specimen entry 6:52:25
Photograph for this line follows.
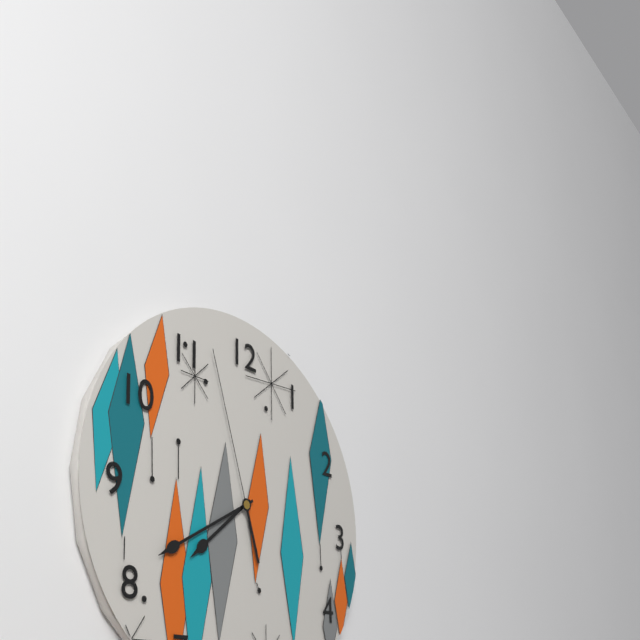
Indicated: 7:40:57
